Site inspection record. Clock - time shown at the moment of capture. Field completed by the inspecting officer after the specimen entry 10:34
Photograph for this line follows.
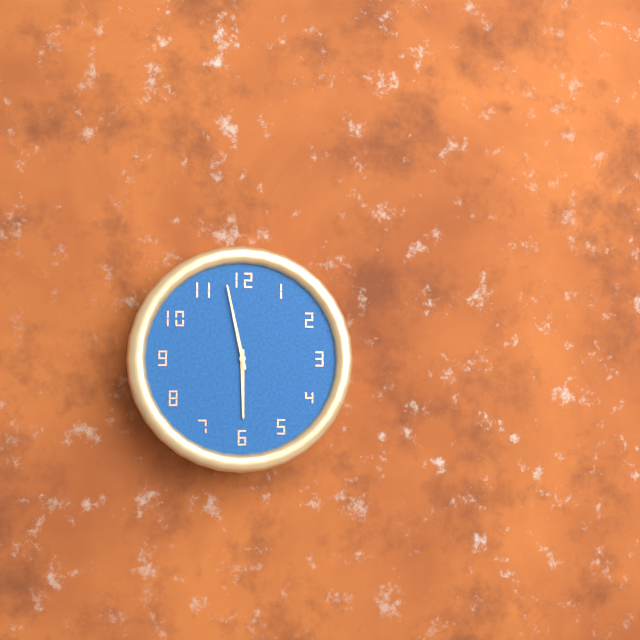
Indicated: 5:58
